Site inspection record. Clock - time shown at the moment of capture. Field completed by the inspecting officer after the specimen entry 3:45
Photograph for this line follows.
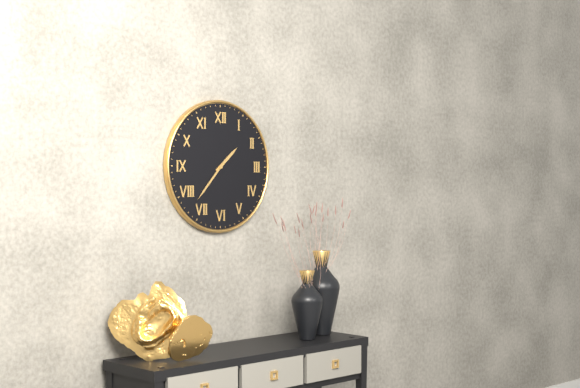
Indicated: 1:37
